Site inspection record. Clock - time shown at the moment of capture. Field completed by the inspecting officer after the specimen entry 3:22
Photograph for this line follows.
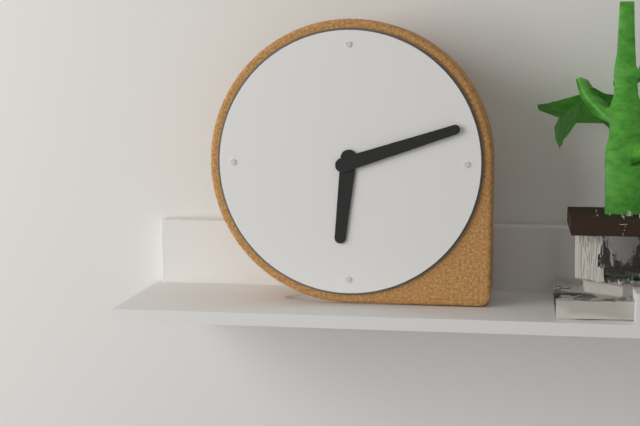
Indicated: 6:12
